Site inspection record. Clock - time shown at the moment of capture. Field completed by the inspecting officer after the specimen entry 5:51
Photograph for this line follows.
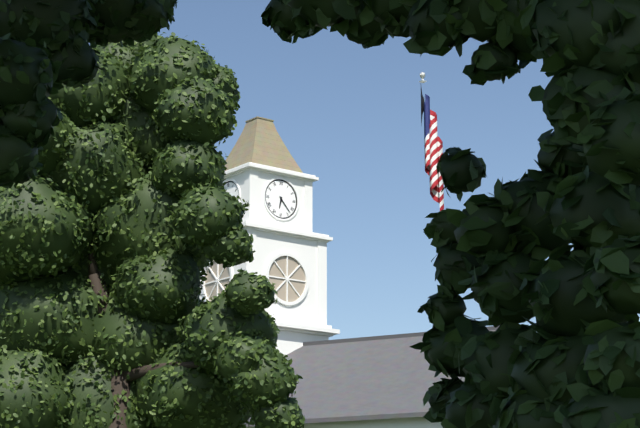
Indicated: 6:23
